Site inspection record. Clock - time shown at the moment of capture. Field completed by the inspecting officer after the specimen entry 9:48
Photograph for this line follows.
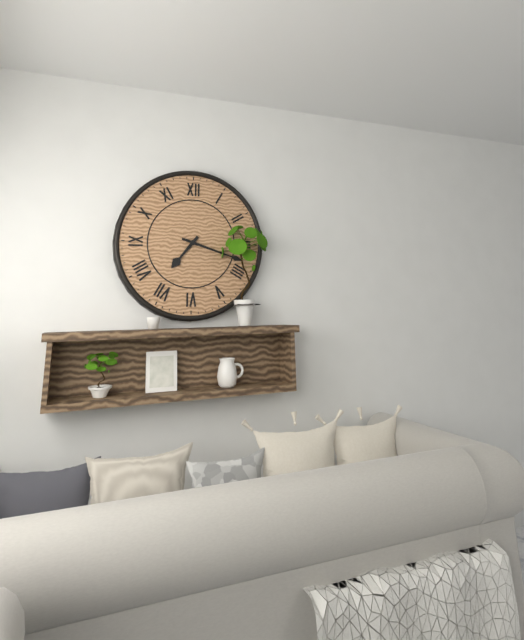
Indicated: 7:18
